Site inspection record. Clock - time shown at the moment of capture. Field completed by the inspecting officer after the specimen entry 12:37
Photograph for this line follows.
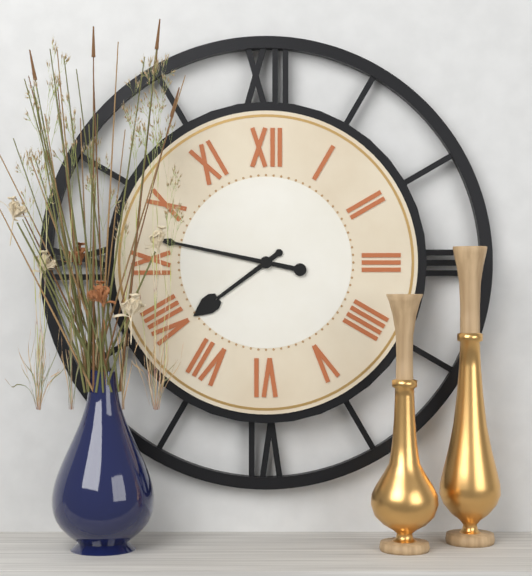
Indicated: 7:47
